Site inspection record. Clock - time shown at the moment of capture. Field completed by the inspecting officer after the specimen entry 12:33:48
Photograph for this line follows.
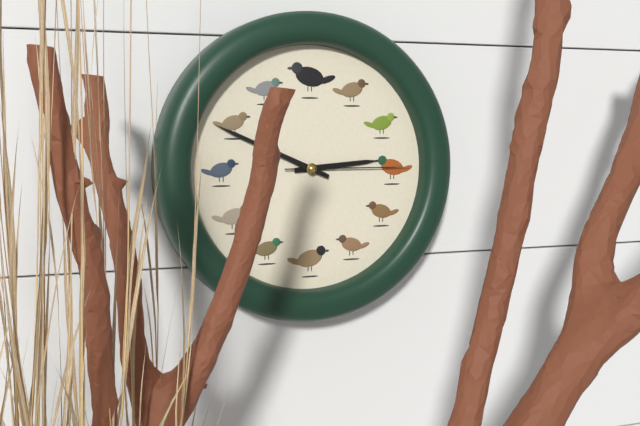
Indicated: 2:49:15
